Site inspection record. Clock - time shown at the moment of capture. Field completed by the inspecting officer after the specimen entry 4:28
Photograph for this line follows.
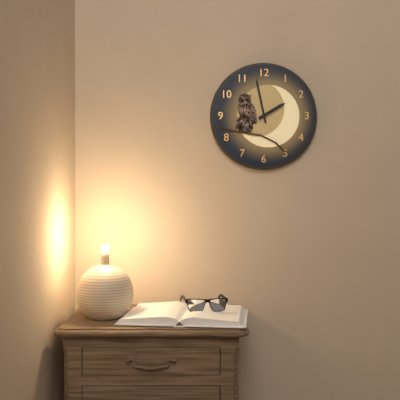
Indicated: 1:58
